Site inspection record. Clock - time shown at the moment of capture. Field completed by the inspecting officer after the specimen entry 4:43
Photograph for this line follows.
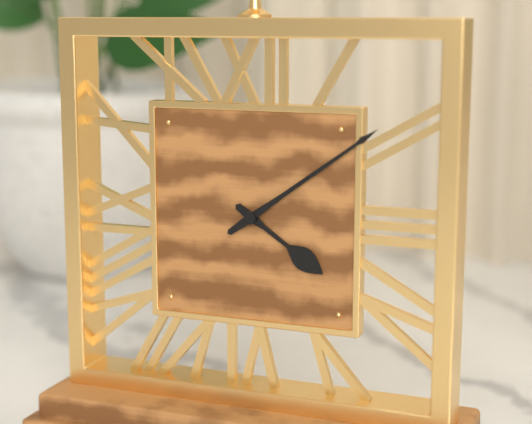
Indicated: 4:09
